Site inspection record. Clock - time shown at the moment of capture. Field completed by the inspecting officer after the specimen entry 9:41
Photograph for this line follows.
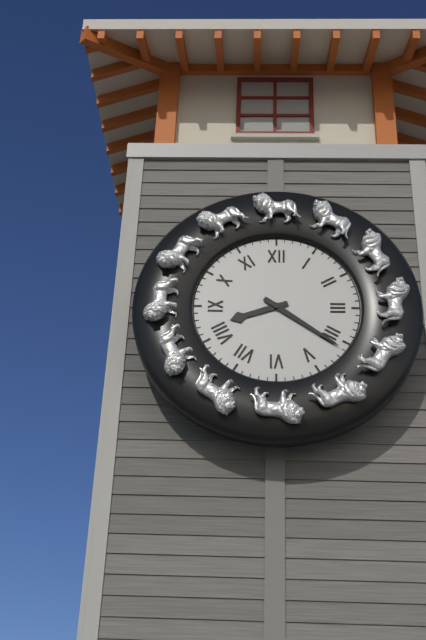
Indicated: 8:21
